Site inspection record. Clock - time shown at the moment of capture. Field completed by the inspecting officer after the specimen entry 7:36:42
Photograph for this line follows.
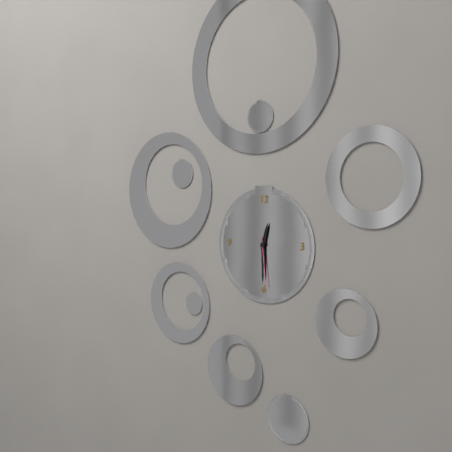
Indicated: 12:30:29
